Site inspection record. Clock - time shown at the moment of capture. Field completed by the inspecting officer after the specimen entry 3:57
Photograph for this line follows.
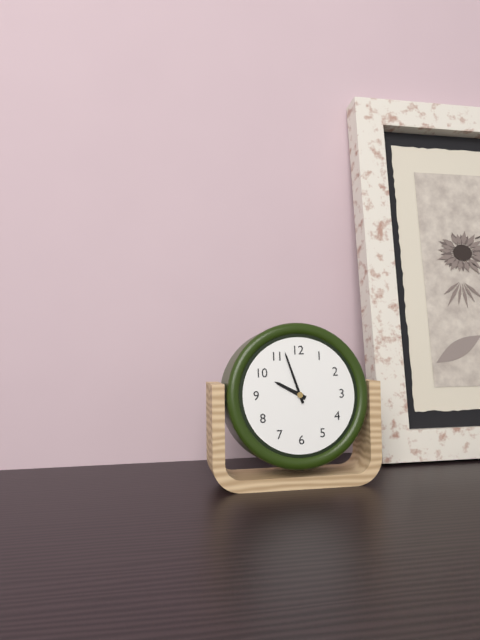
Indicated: 9:57
